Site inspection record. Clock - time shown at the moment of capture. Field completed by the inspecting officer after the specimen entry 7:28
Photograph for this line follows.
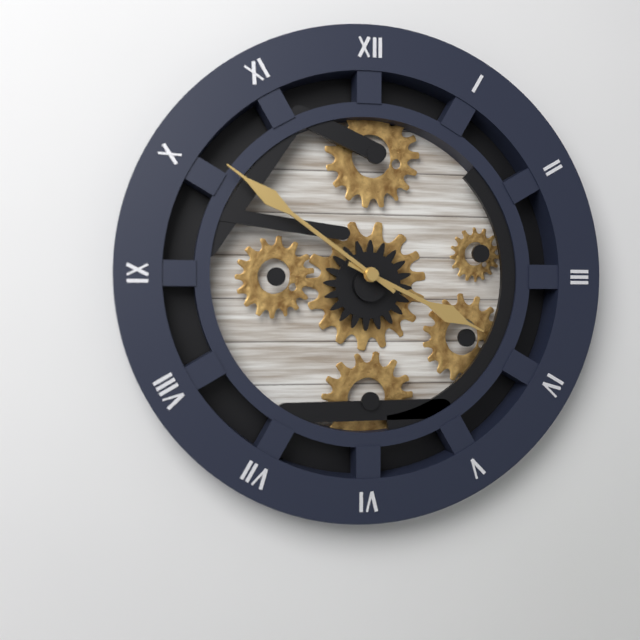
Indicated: 3:51
